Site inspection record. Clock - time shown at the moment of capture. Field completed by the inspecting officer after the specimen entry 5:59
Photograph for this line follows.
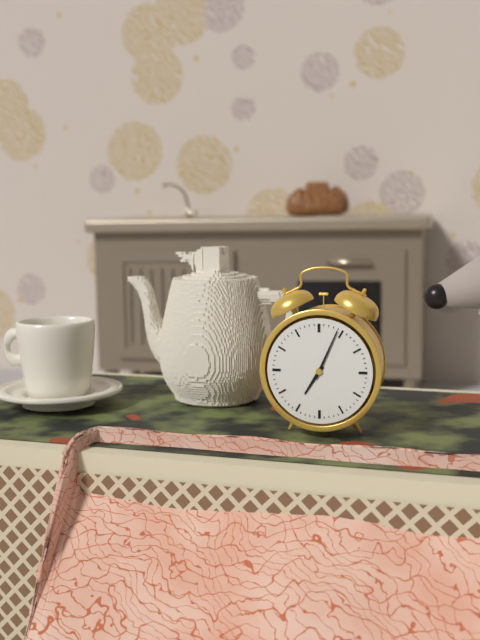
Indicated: 7:04
